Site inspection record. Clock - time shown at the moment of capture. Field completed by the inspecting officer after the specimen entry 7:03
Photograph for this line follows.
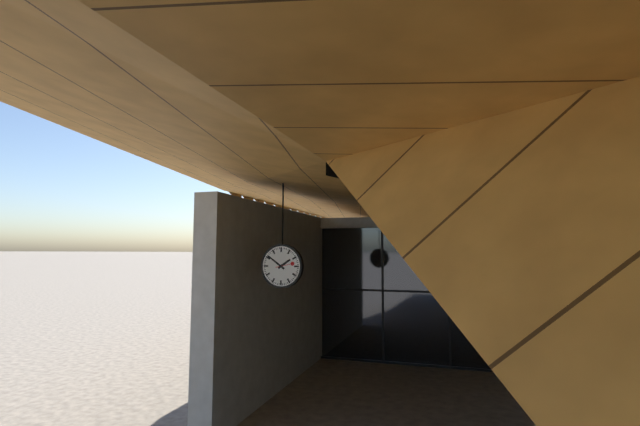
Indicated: 1:51
